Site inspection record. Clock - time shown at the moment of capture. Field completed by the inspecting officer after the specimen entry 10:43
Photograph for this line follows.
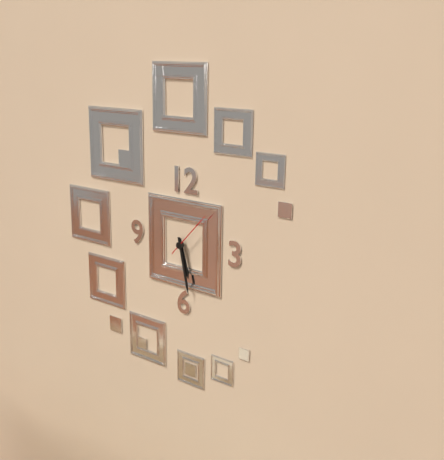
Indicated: 5:28
